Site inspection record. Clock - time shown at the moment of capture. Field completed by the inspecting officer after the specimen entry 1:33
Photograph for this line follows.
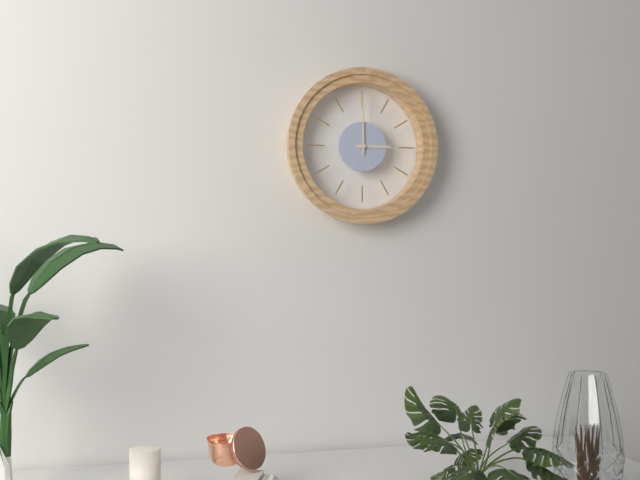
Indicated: 3:00
